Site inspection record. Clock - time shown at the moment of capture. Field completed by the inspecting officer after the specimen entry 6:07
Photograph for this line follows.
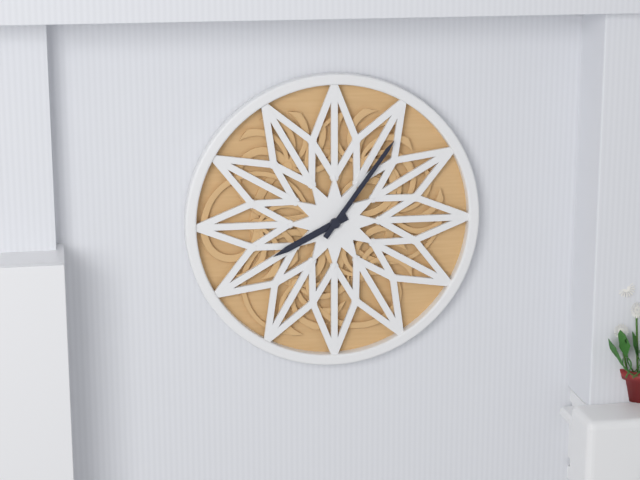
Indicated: 8:06
